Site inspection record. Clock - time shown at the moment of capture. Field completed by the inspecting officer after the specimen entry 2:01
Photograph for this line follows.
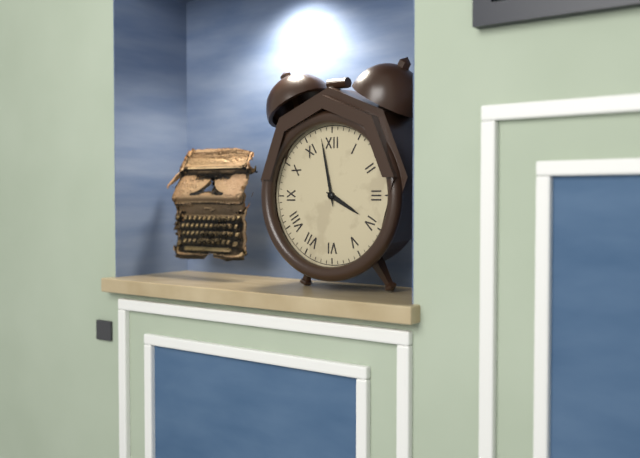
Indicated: 3:58
